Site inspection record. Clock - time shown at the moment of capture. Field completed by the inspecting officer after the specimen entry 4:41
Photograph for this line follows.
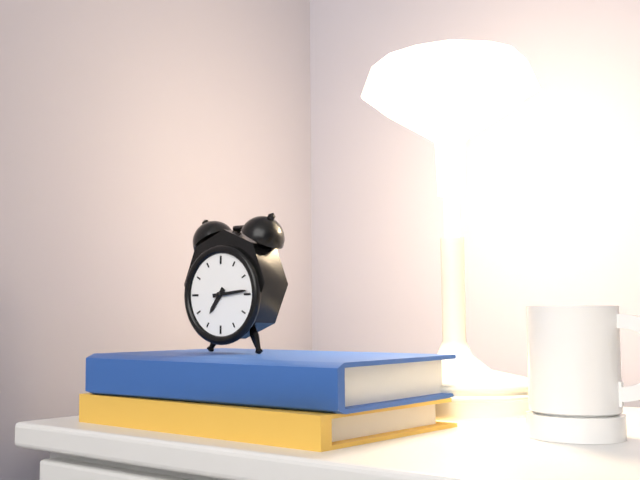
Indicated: 7:14
